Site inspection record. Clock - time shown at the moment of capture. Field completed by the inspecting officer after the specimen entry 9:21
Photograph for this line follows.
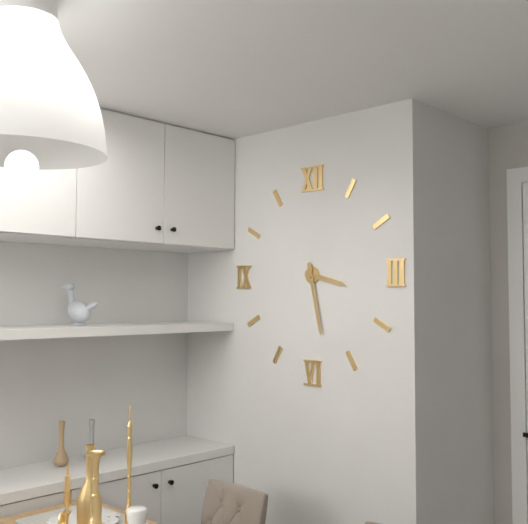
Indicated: 3:28
